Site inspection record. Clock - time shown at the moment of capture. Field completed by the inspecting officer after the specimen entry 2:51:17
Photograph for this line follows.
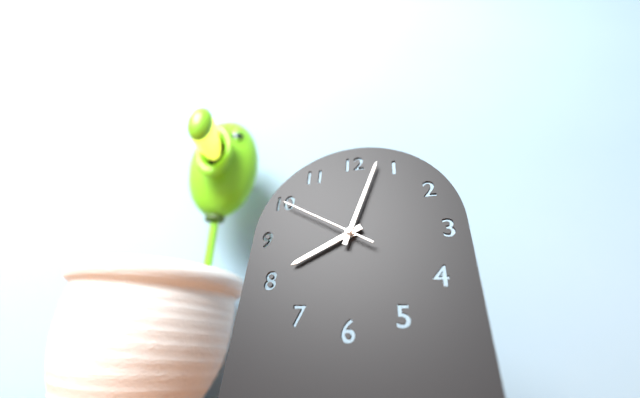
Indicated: 8:03:50
